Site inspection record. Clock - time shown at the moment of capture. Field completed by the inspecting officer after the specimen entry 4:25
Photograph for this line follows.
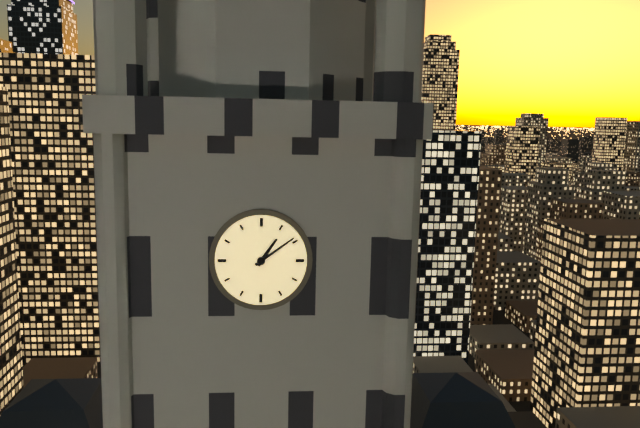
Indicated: 1:09
